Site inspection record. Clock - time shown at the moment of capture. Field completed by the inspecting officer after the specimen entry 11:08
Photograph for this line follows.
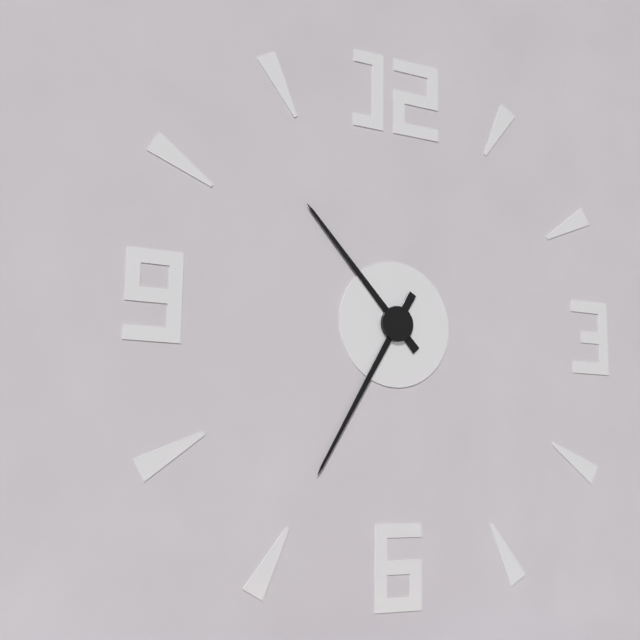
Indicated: 10:35
